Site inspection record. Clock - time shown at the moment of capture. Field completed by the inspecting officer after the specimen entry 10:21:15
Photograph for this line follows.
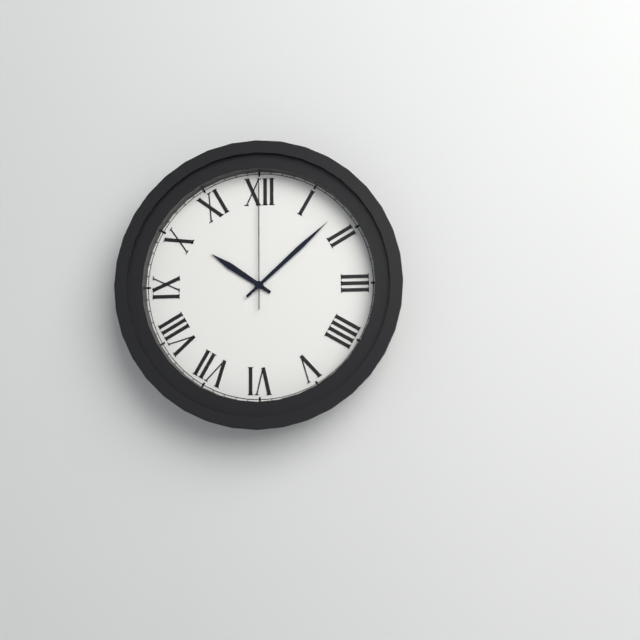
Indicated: 10:08:00
